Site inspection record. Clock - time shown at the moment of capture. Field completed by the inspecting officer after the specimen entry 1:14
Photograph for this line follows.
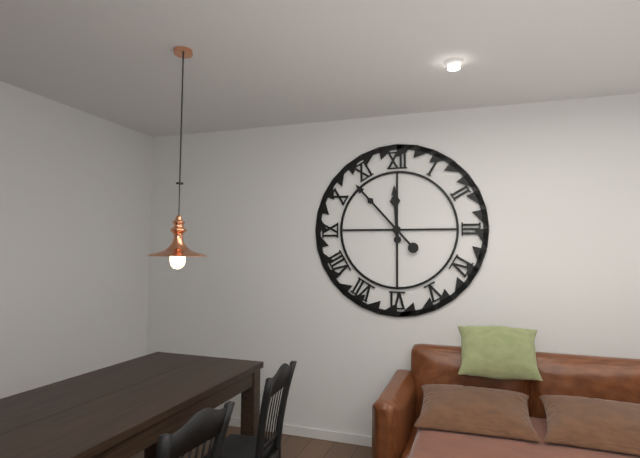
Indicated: 11:53
